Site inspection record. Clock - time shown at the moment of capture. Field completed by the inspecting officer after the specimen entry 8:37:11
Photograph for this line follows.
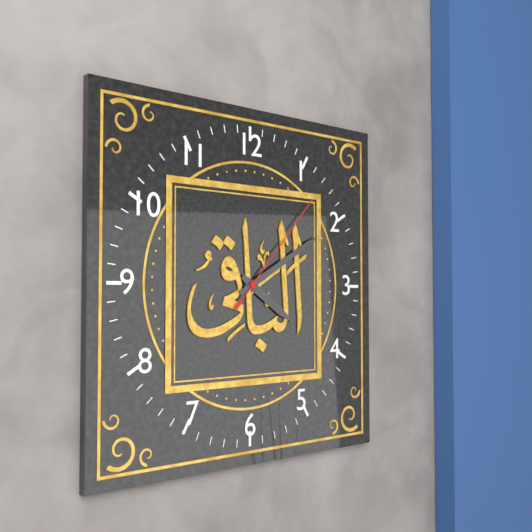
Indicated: 4:10:07
